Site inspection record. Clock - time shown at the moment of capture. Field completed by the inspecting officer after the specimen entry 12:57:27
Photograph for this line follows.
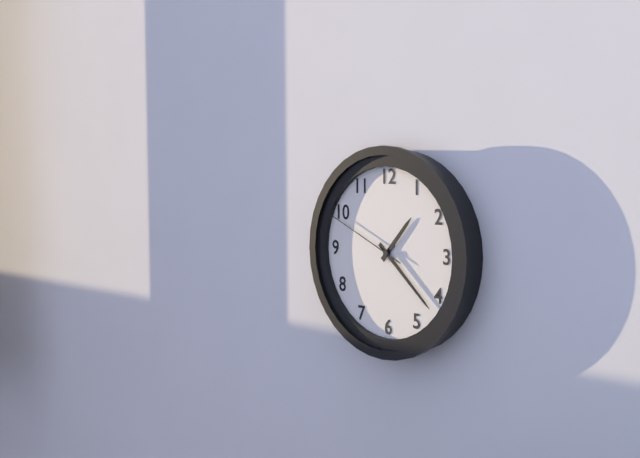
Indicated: 1:22:49
